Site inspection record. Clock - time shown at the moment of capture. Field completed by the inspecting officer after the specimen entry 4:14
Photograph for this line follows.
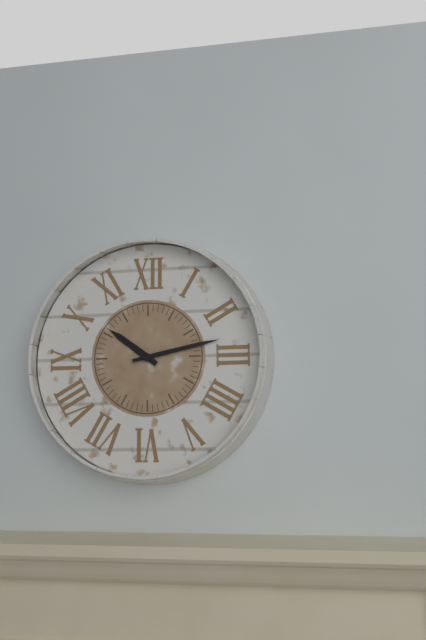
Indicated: 10:13
